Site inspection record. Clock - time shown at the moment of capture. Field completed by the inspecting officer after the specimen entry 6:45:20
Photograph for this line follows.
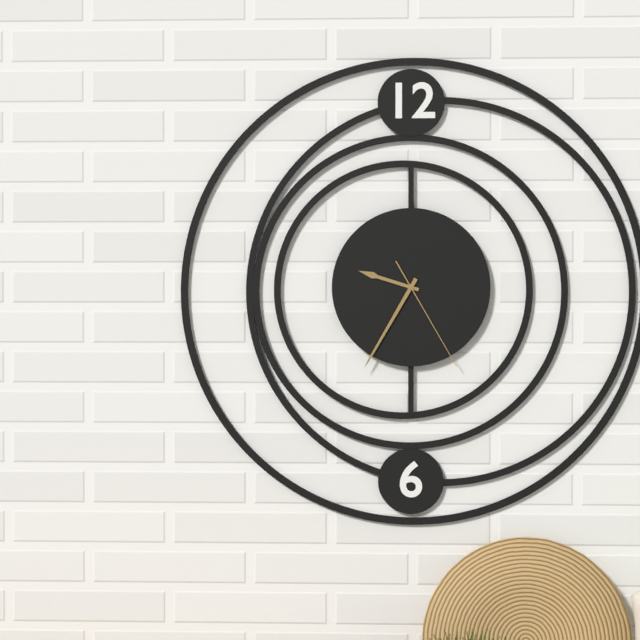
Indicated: 9:35:25
